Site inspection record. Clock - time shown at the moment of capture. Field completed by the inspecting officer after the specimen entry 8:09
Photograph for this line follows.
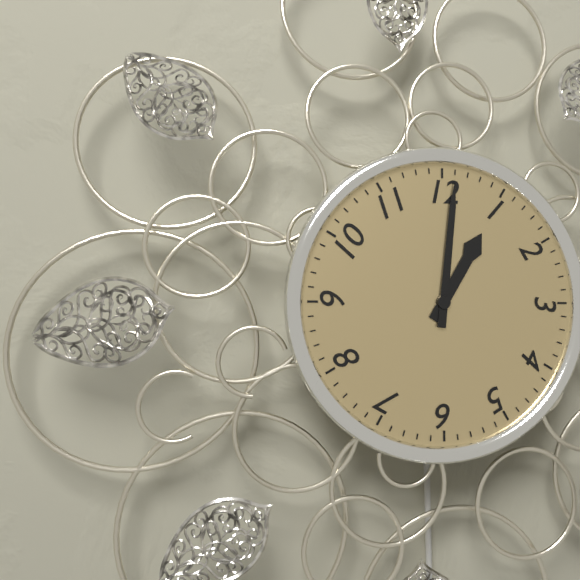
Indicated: 1:01
